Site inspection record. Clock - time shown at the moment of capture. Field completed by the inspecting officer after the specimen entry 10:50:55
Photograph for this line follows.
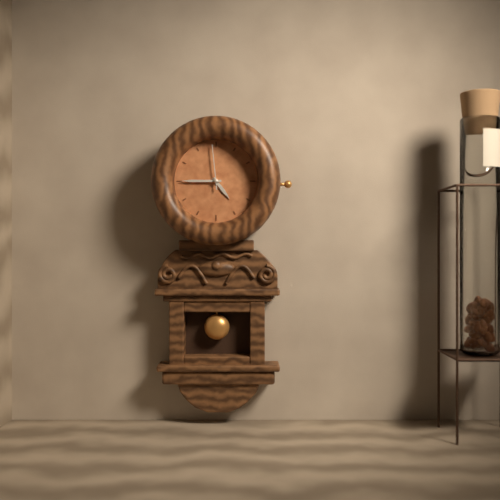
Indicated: 4:45:59
